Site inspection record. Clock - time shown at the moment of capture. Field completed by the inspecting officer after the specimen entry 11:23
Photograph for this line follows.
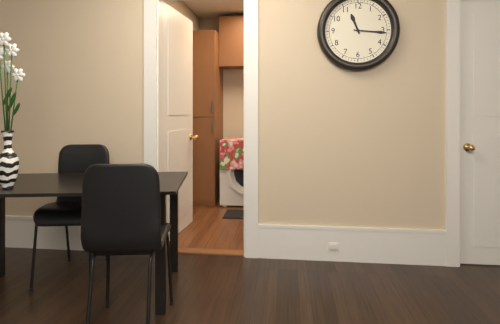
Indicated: 11:16
